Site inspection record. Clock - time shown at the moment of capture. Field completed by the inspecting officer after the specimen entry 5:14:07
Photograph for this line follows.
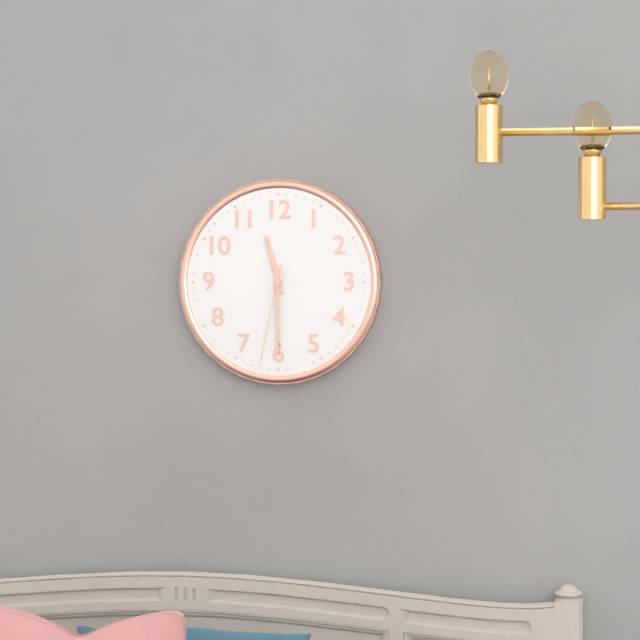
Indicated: 11:30:32
